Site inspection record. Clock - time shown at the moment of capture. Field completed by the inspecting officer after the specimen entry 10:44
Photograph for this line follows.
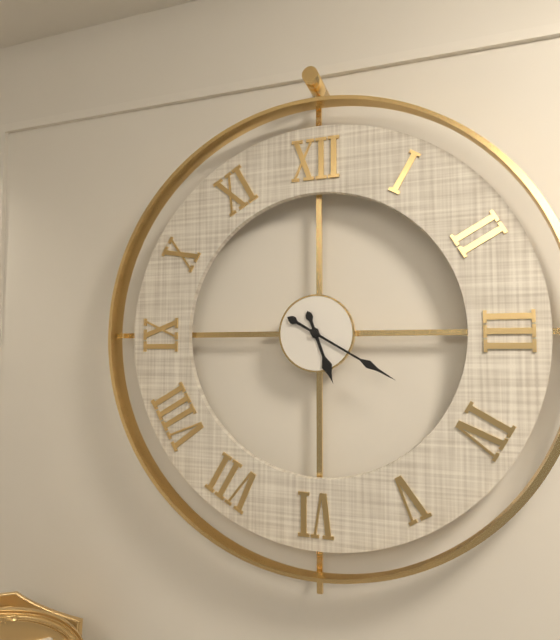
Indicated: 5:20
